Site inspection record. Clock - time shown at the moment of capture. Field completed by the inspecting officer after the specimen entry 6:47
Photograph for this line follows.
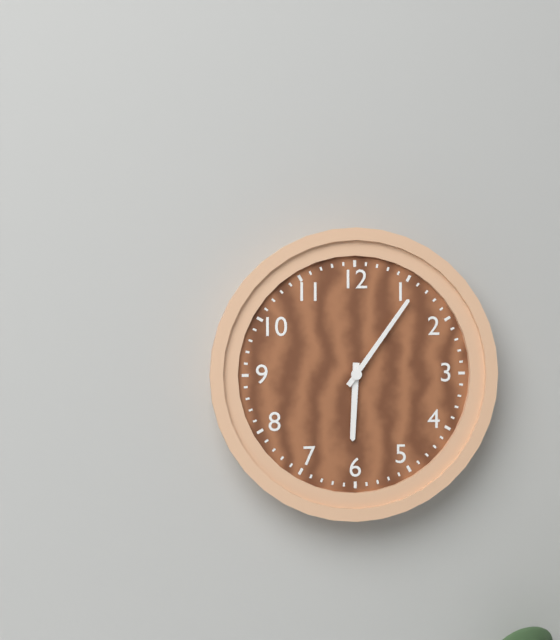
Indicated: 6:06
